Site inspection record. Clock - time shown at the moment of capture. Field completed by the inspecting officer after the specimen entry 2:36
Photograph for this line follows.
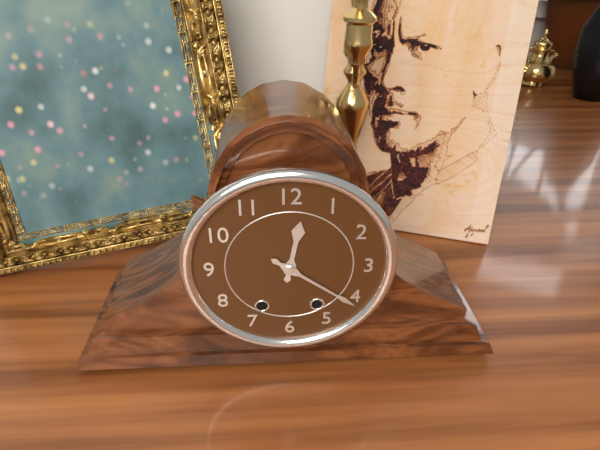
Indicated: 12:21
